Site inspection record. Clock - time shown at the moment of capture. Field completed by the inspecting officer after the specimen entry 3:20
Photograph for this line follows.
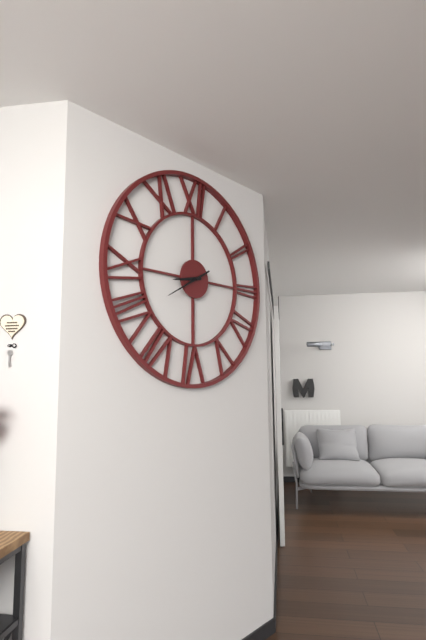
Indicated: 8:40
